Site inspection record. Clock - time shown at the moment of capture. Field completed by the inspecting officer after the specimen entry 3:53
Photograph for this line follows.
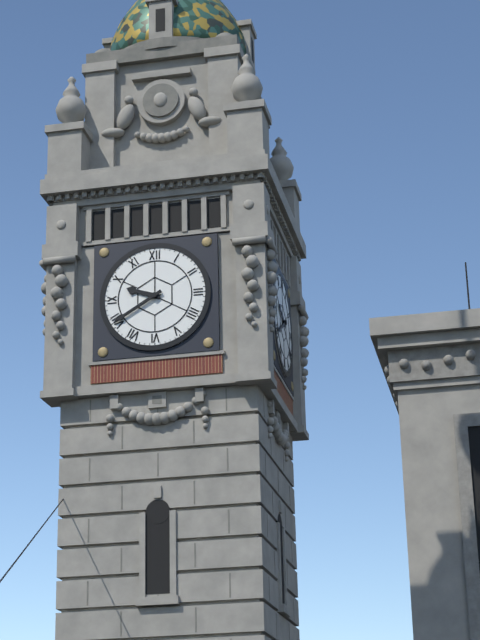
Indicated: 9:40
